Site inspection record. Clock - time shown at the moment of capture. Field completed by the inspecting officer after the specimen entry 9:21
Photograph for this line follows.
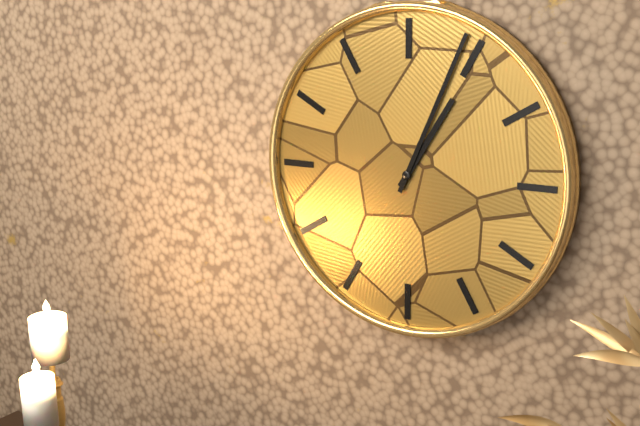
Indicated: 1:04
